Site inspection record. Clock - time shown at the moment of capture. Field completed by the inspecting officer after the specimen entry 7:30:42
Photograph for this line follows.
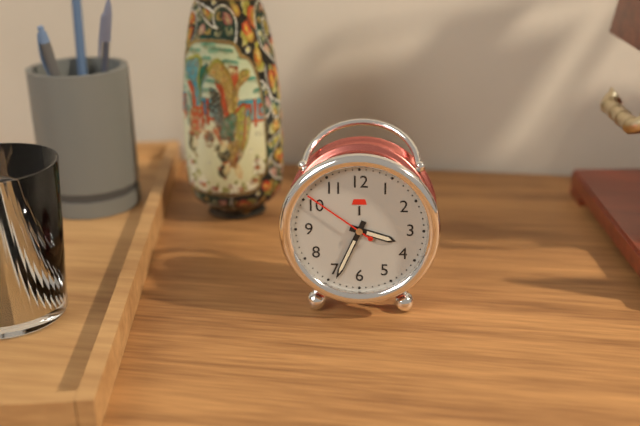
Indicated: 3:34:51
